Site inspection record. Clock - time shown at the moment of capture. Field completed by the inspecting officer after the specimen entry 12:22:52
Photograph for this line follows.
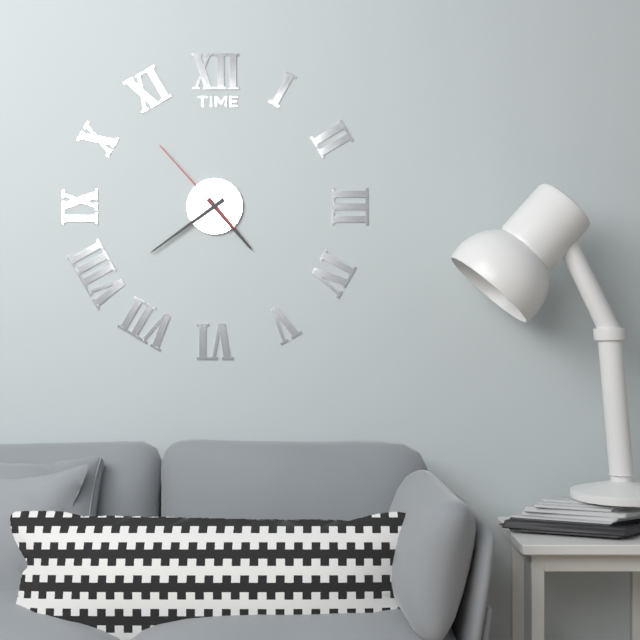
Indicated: 4:39:53
